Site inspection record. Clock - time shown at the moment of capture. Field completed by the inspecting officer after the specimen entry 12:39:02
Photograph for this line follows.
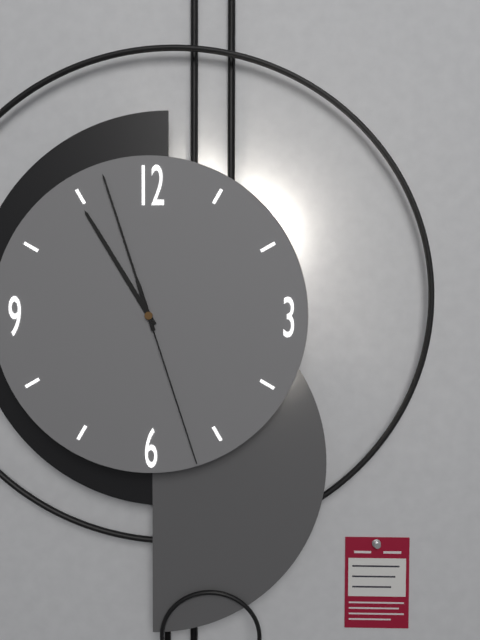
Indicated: 10:57:27
